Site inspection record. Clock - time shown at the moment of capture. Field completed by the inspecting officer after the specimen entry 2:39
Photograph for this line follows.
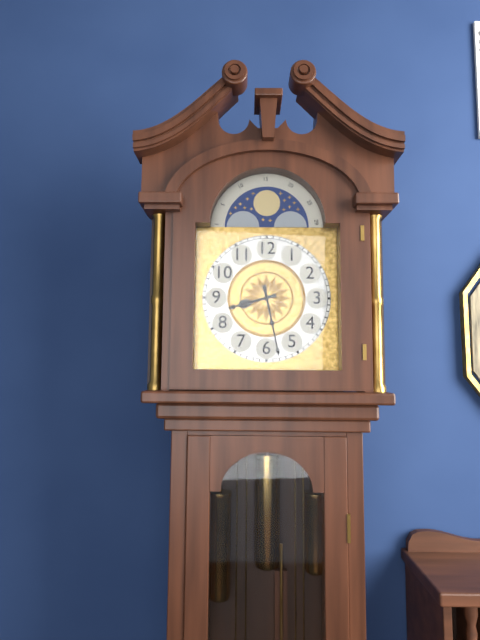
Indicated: 8:28
